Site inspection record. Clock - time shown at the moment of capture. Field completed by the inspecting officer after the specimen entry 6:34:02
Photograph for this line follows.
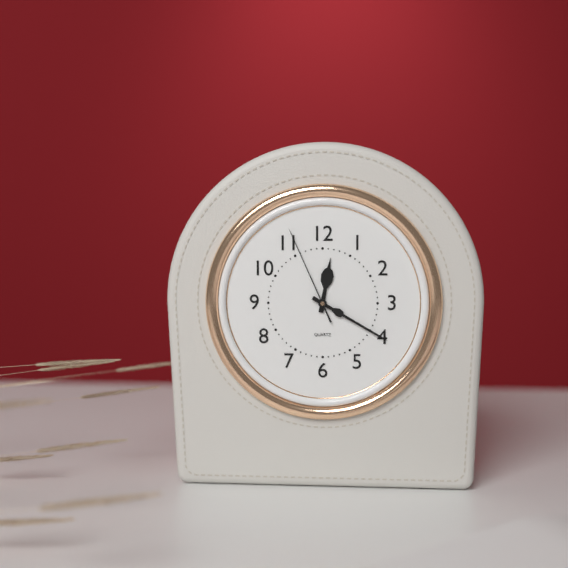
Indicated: 12:20:56
